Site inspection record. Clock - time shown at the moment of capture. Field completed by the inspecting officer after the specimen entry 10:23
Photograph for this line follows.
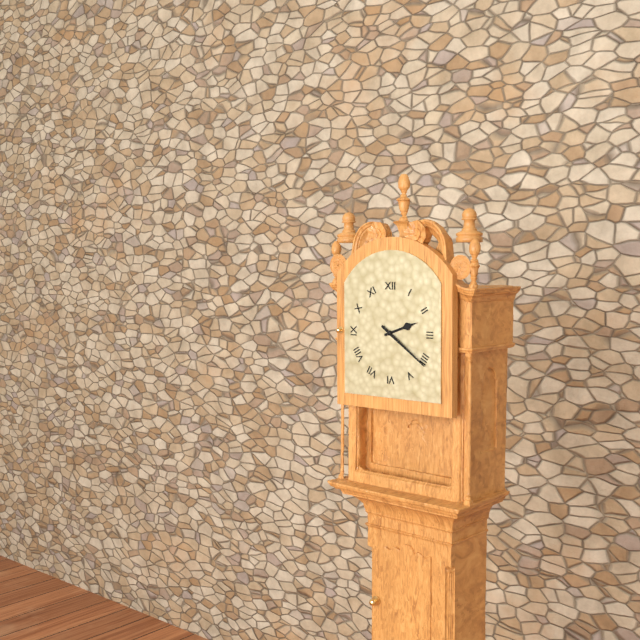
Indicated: 2:21
